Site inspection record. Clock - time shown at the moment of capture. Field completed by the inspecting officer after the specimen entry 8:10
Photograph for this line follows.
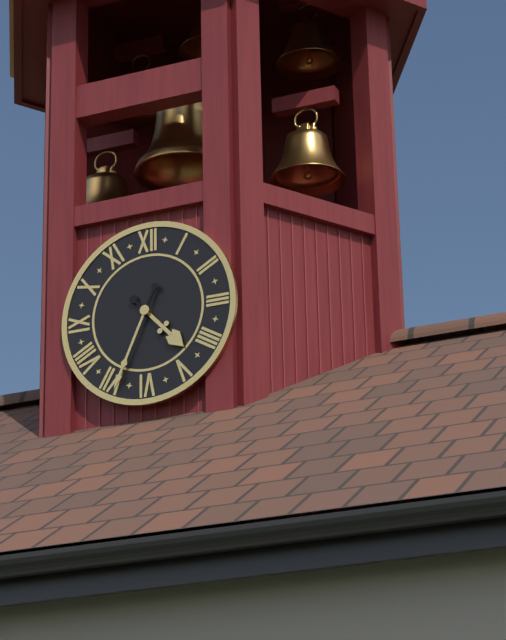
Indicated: 4:34
